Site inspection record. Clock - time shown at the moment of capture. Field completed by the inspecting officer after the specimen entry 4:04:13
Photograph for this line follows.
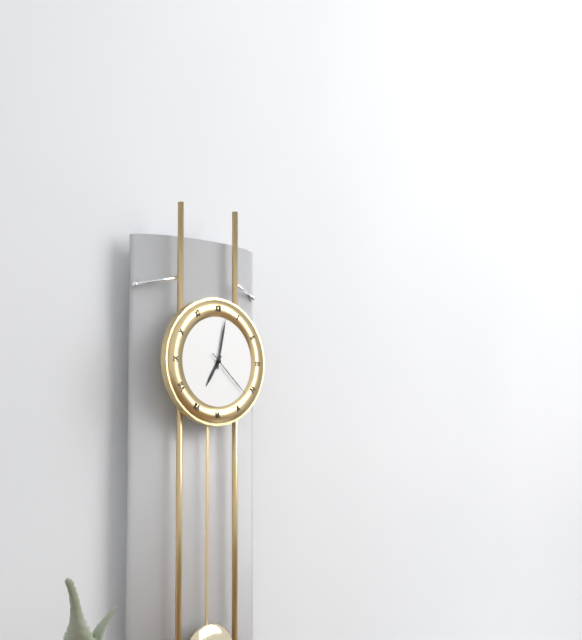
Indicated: 7:02:22
